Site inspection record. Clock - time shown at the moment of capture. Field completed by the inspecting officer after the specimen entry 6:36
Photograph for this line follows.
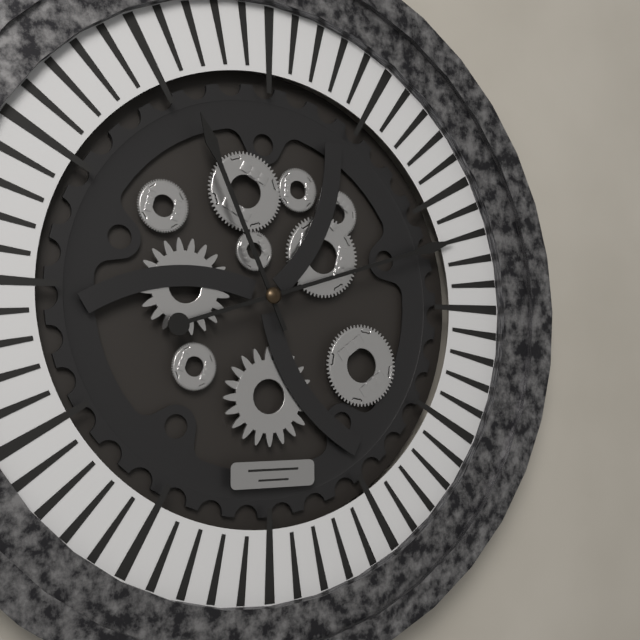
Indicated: 11:12
